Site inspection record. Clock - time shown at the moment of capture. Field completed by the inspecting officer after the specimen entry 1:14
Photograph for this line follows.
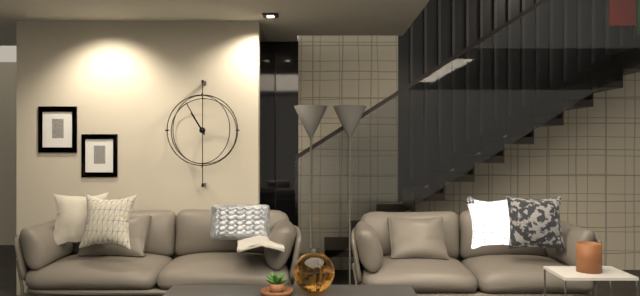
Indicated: 10:55
